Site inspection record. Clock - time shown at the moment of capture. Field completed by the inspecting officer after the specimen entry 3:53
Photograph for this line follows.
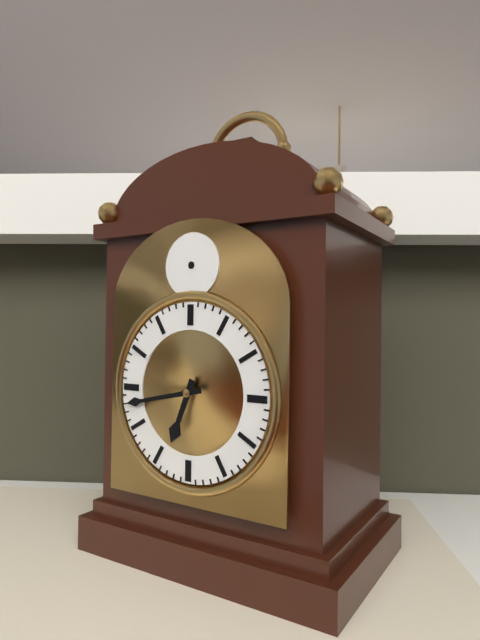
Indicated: 6:43
